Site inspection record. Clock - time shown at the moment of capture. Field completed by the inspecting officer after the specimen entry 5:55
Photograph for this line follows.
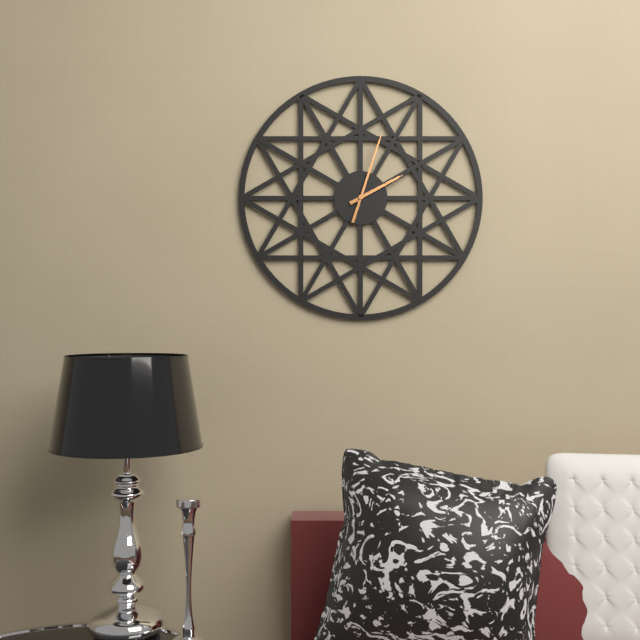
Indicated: 2:03
